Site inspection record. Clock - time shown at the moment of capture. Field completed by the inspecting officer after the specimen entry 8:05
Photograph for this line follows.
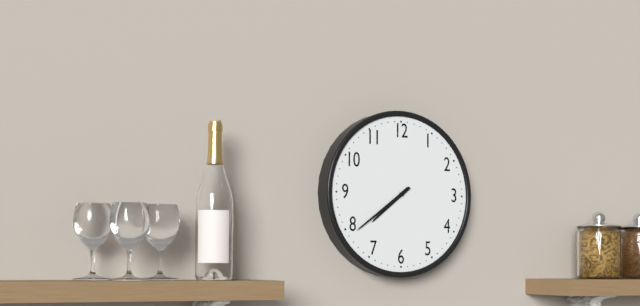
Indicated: 7:39
